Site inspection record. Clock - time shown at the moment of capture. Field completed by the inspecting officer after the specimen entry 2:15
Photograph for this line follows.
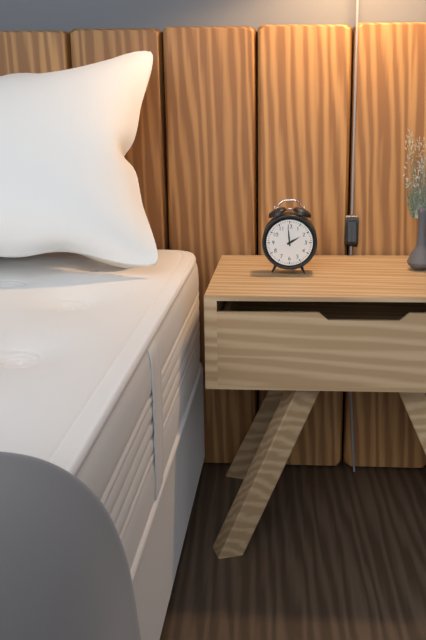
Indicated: 1:59
